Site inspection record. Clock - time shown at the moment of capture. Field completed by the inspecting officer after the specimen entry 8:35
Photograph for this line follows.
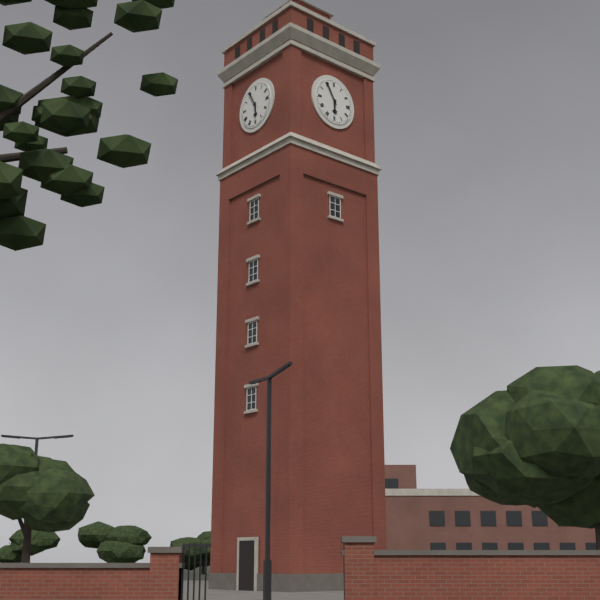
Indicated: 5:55
